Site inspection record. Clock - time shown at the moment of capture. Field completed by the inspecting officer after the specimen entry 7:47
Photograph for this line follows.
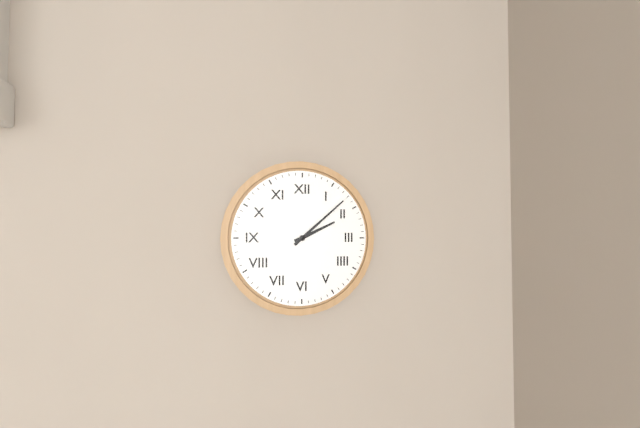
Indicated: 2:08
